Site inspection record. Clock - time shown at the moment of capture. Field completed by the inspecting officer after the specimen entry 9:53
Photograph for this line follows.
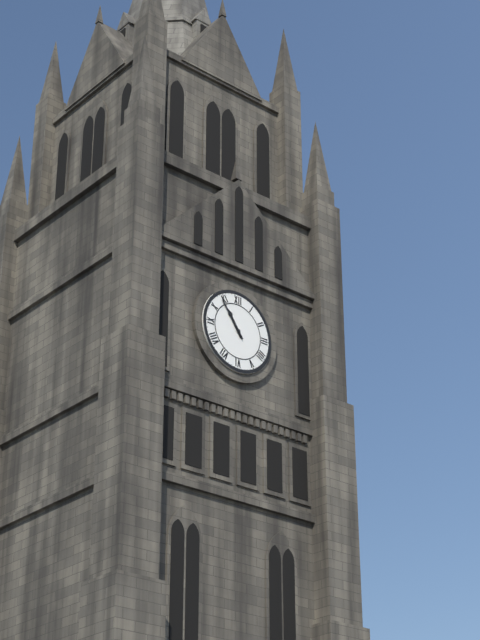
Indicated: 10:54
